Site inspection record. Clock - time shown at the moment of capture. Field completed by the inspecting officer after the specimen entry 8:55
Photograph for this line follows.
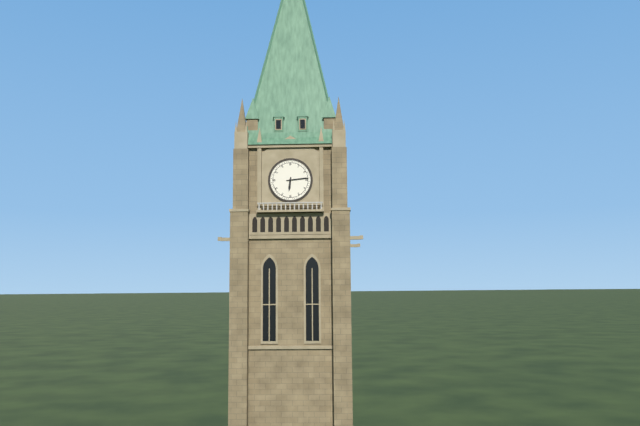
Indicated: 6:14
